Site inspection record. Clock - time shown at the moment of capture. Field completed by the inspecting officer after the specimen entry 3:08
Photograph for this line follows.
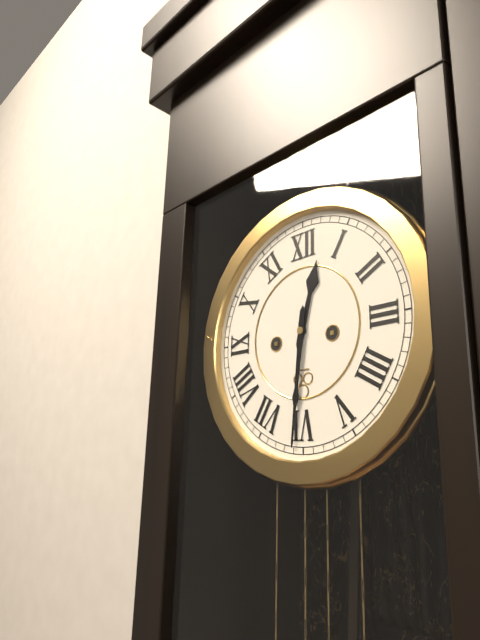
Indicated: 12:31
